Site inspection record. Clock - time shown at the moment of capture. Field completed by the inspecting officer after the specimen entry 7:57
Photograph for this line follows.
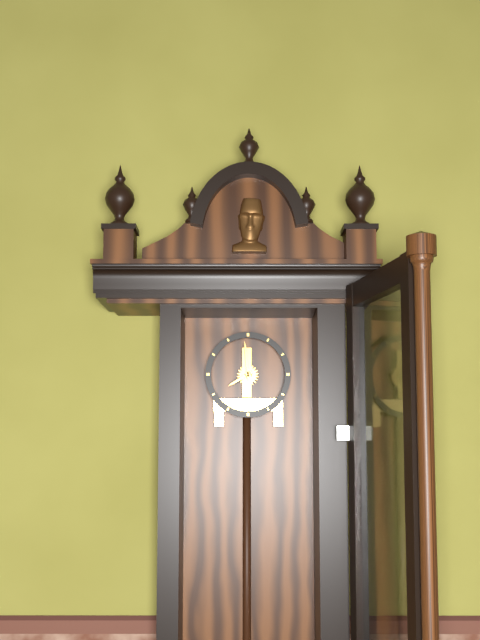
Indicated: 7:59
